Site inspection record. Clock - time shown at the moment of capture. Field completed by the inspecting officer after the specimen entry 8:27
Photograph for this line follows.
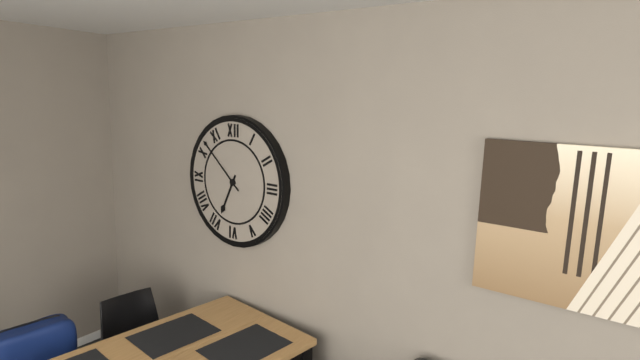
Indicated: 6:52
